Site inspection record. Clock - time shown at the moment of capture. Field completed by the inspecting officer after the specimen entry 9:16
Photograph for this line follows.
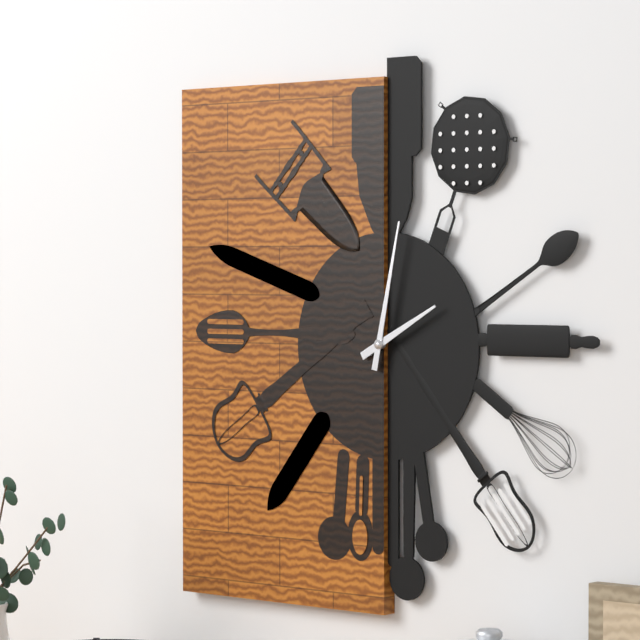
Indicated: 2:02
